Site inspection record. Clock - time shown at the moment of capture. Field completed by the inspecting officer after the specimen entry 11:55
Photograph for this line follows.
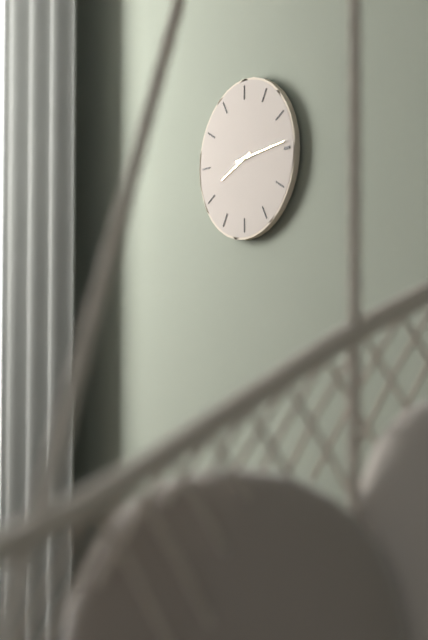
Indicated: 8:14
